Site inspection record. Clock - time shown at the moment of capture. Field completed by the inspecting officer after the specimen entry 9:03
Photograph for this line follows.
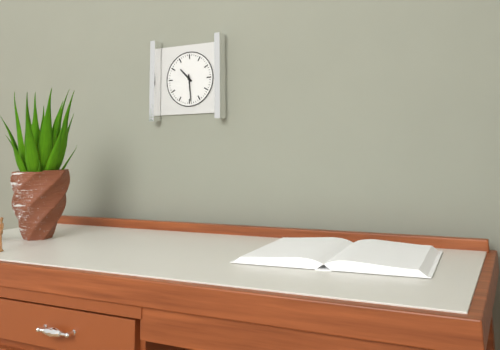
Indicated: 10:29
